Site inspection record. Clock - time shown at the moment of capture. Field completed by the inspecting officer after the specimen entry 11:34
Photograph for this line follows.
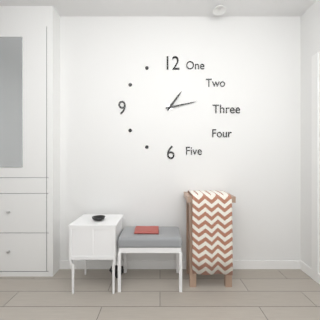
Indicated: 1:13
